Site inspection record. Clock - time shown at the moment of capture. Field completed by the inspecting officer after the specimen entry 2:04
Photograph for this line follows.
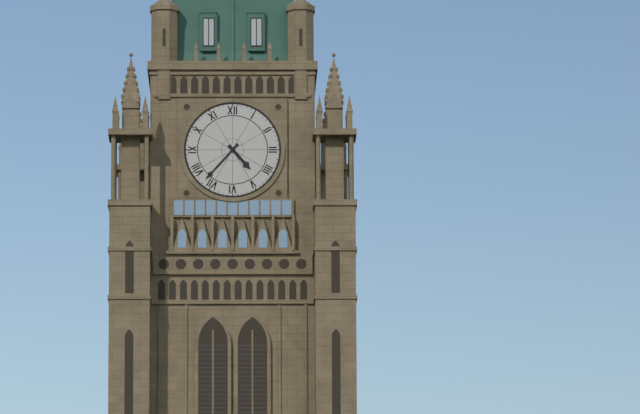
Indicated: 4:37
